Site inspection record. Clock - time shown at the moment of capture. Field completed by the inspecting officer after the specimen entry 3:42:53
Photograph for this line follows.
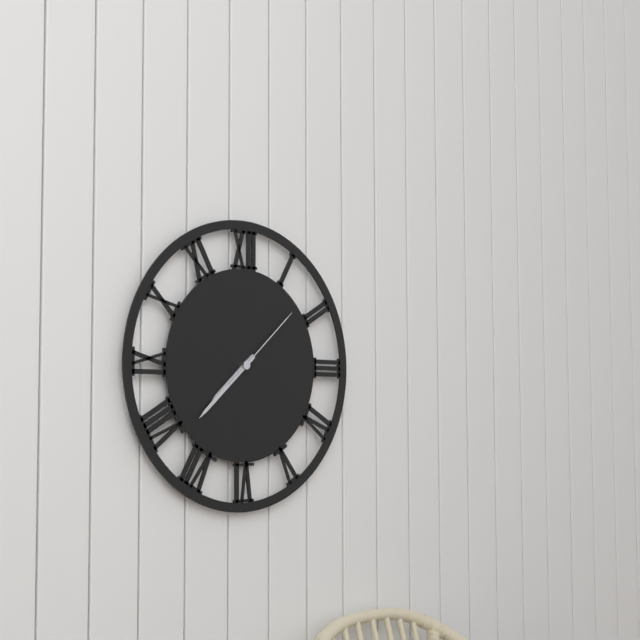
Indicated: 7:38:08
